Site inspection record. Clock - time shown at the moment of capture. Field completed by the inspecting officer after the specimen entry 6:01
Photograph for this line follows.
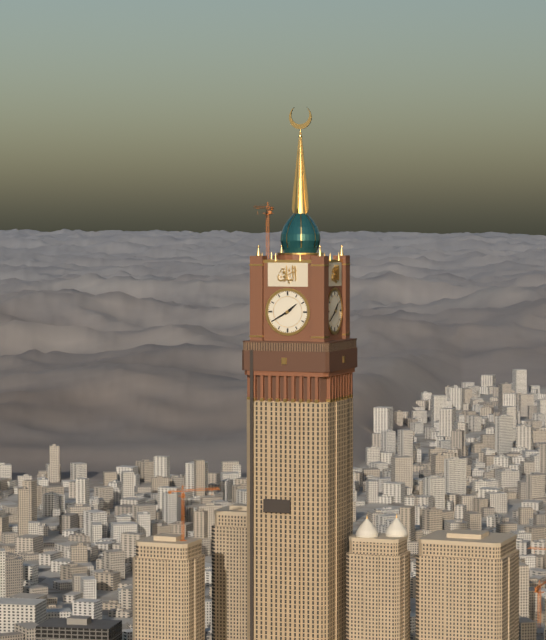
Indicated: 1:40
